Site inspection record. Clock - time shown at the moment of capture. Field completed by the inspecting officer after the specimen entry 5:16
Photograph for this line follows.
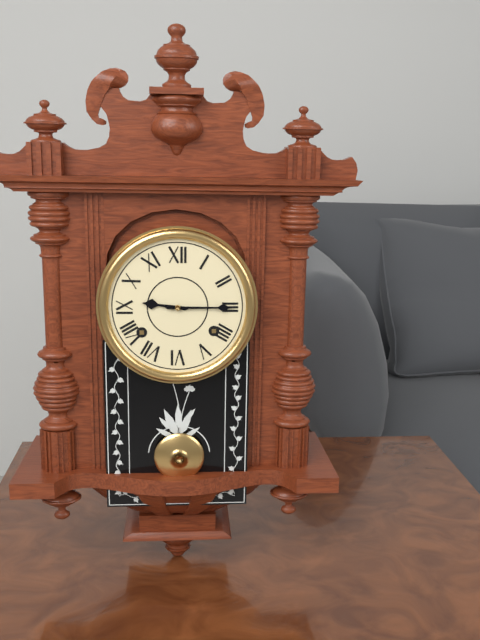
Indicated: 9:15
